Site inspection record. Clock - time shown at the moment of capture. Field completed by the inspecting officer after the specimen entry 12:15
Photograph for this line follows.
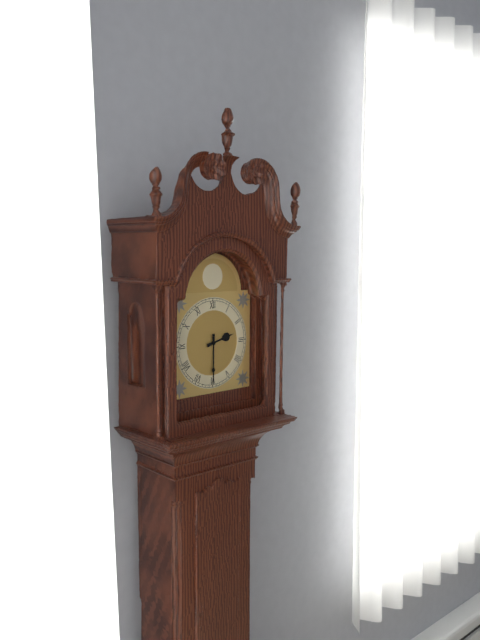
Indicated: 2:30
